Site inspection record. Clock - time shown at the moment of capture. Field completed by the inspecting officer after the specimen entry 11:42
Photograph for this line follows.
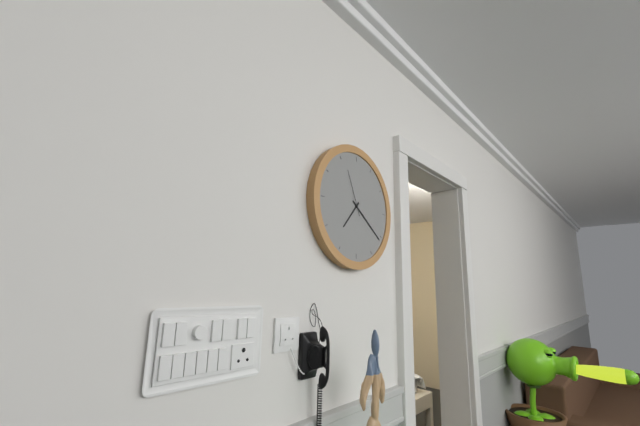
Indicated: 7:21
